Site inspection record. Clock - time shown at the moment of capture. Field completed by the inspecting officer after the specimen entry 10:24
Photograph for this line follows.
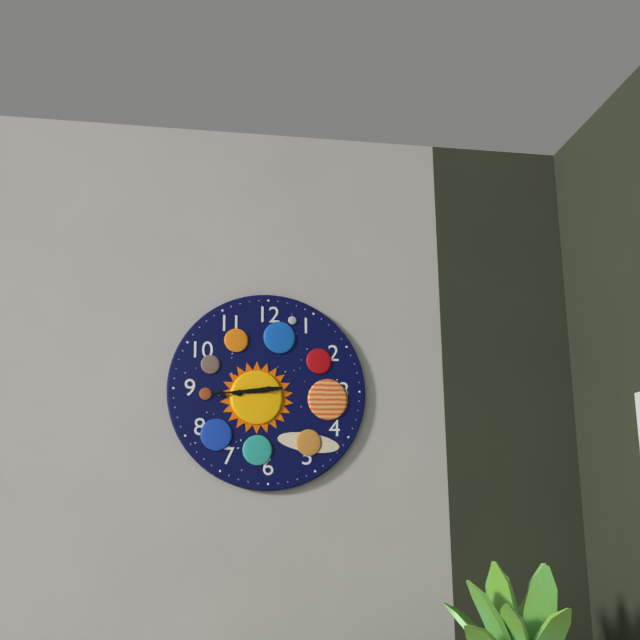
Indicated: 8:44
